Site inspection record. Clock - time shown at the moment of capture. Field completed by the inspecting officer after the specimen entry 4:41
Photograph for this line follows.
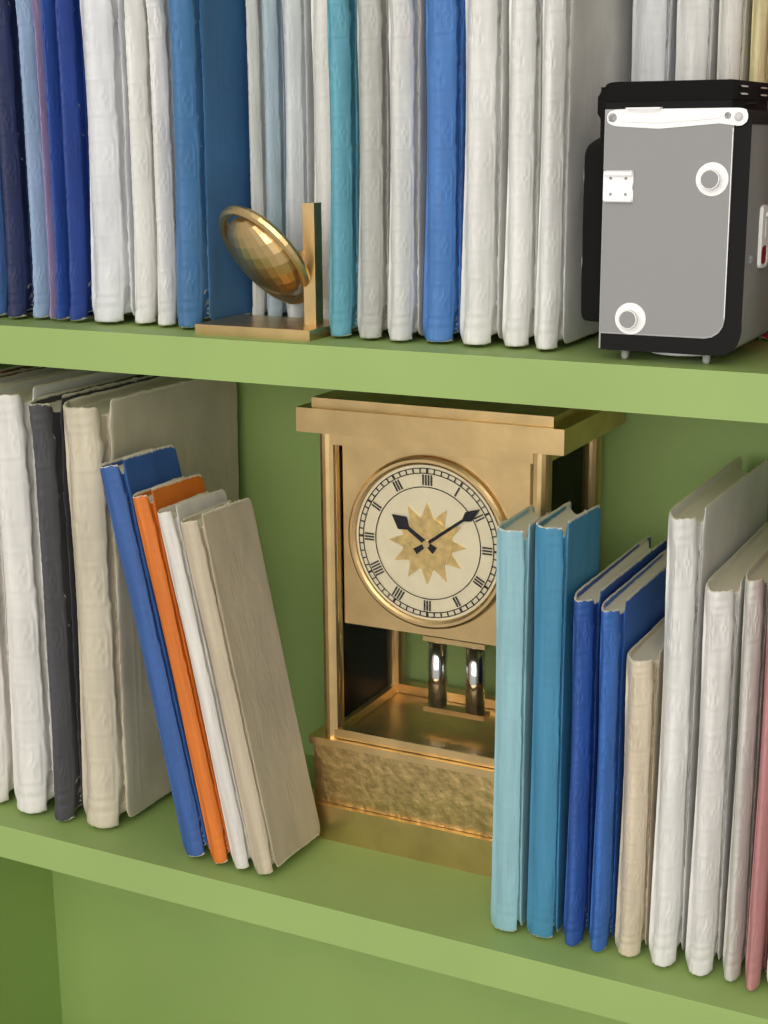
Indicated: 10:09
